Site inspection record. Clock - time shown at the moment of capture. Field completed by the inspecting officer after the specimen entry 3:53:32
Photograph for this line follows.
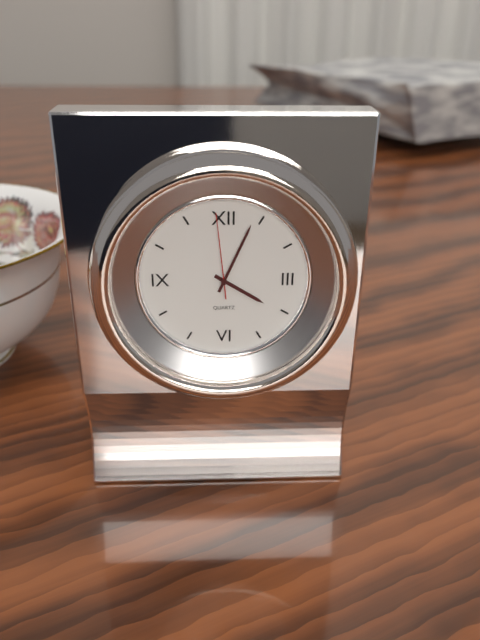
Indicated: 4:04:59
